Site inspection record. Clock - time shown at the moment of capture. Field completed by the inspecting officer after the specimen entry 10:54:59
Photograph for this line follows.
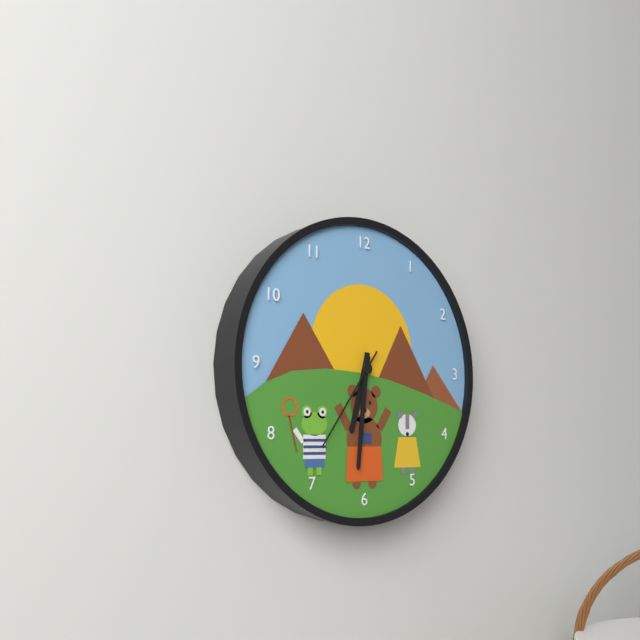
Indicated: 6:31:36
